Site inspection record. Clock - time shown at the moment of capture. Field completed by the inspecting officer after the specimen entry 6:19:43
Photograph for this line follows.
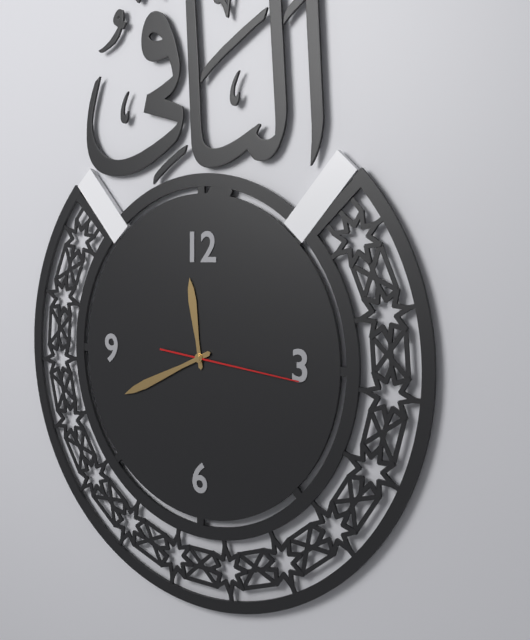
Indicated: 11:41:16
